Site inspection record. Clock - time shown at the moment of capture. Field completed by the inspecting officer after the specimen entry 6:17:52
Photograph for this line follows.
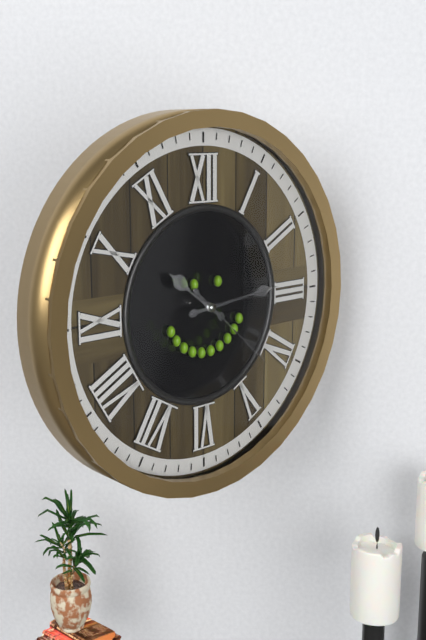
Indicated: 10:14:22
